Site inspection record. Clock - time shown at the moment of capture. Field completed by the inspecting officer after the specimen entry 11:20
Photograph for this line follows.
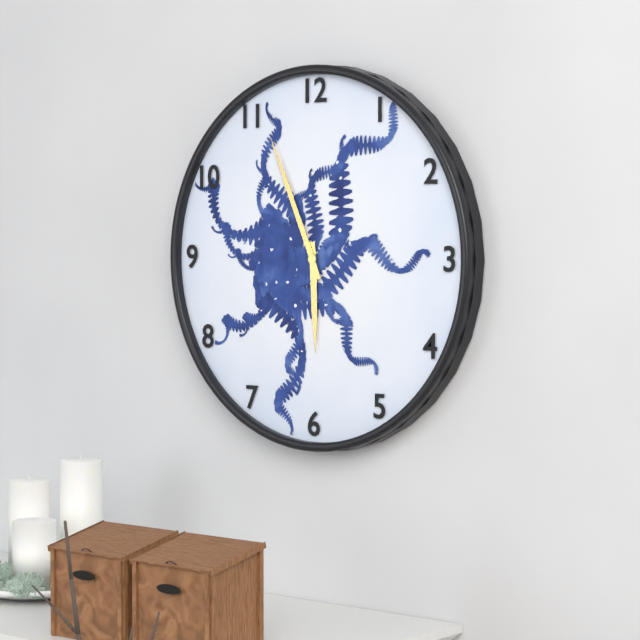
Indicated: 5:56
